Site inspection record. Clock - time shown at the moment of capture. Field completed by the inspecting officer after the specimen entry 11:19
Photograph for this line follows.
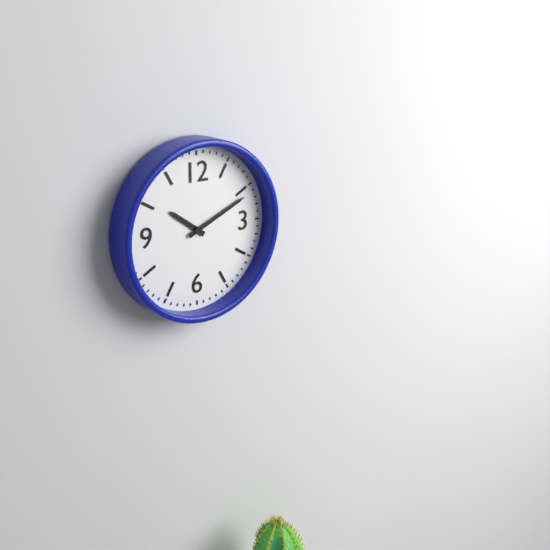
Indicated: 10:11
